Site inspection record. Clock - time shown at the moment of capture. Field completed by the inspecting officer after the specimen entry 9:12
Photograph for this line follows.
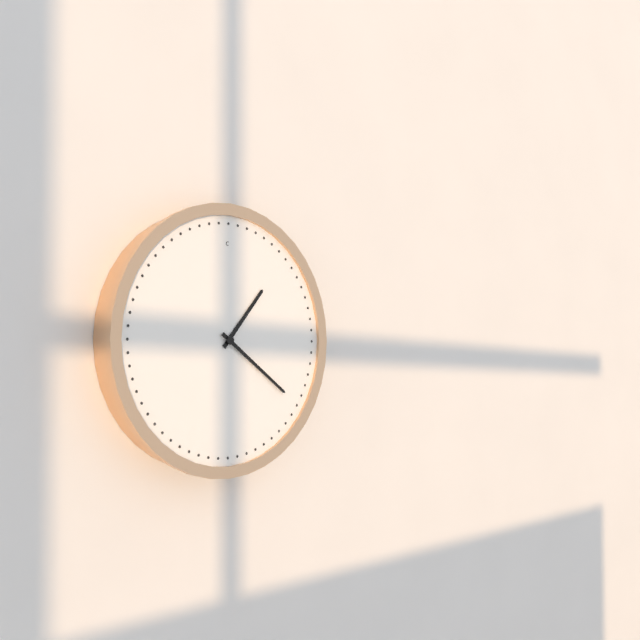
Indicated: 1:21
